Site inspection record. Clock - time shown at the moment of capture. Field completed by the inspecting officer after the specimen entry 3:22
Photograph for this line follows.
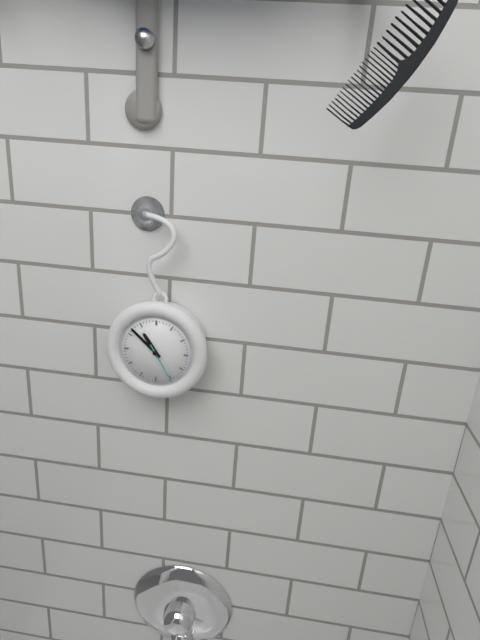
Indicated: 10:52
